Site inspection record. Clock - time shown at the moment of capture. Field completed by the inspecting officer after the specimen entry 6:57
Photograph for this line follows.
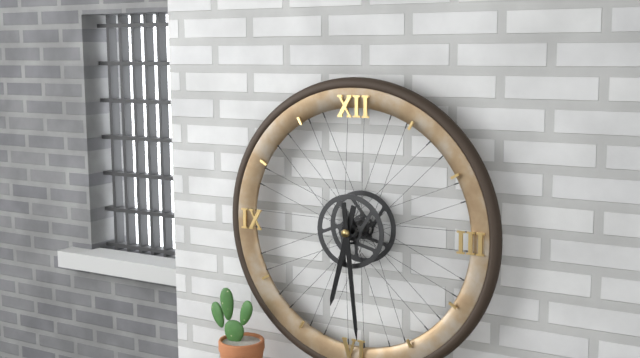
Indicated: 6:29
